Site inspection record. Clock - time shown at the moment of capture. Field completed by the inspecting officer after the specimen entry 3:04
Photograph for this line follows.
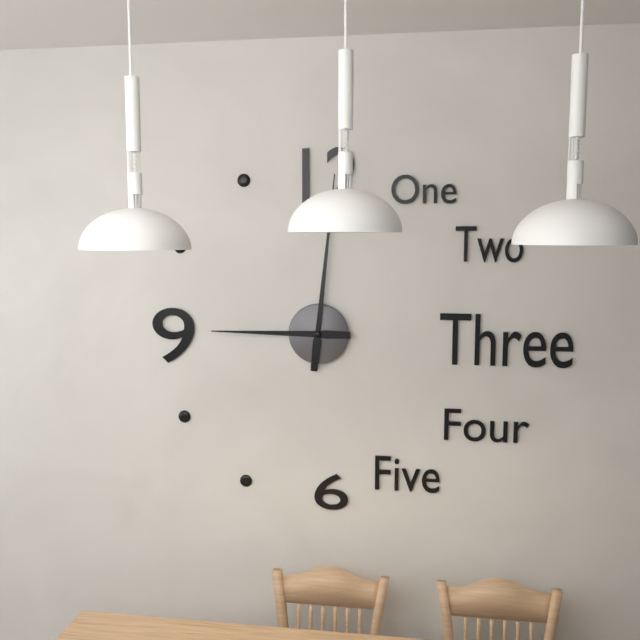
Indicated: 9:01
